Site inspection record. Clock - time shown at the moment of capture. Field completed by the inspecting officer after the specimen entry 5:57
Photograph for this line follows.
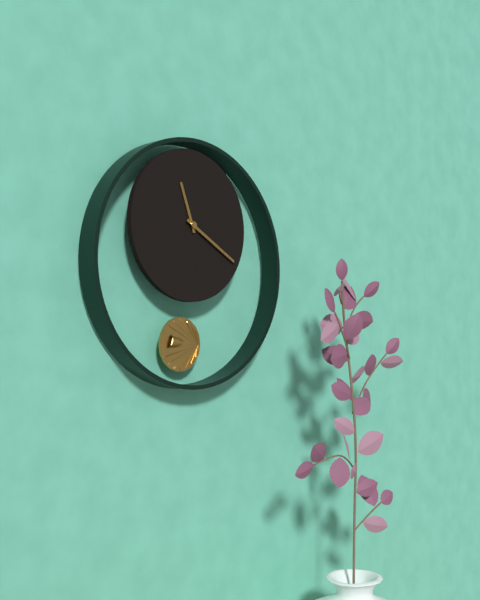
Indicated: 11:20
